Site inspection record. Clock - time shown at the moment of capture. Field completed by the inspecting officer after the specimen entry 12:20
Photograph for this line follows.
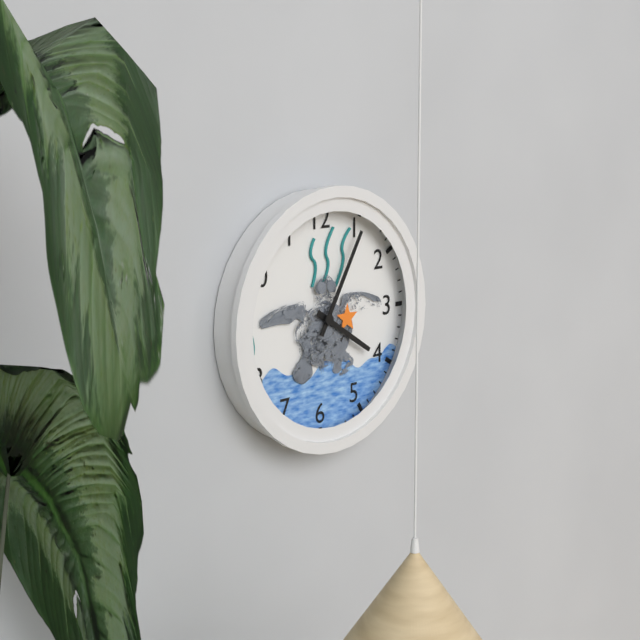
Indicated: 4:05
